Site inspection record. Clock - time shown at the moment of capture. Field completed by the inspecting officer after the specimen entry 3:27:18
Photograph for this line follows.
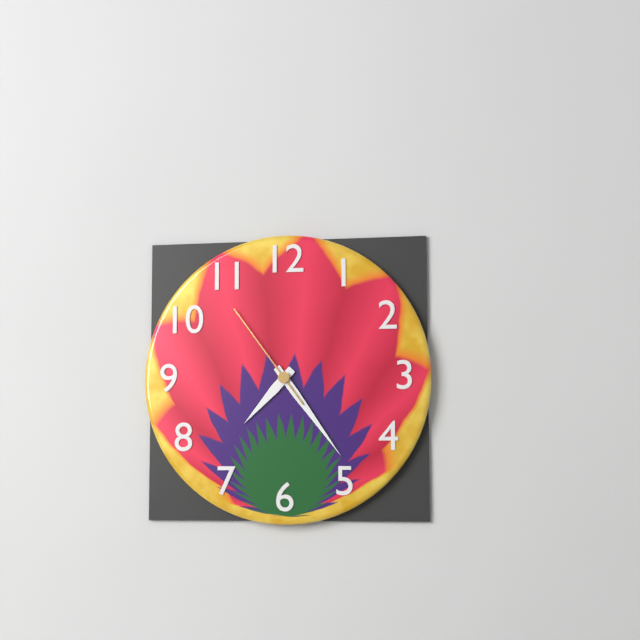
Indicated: 7:24:54
